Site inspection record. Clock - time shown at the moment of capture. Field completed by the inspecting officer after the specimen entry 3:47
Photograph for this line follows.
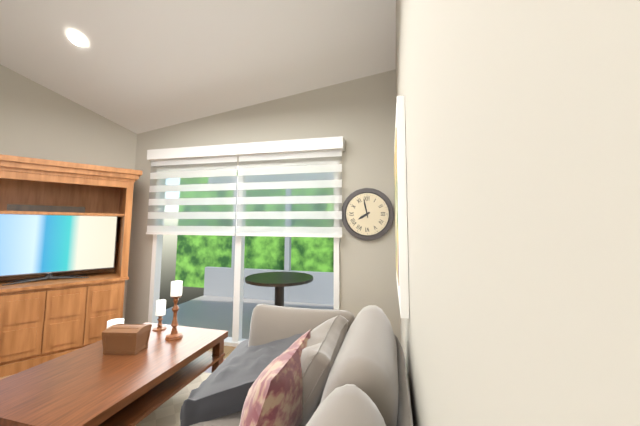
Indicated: 7:58
